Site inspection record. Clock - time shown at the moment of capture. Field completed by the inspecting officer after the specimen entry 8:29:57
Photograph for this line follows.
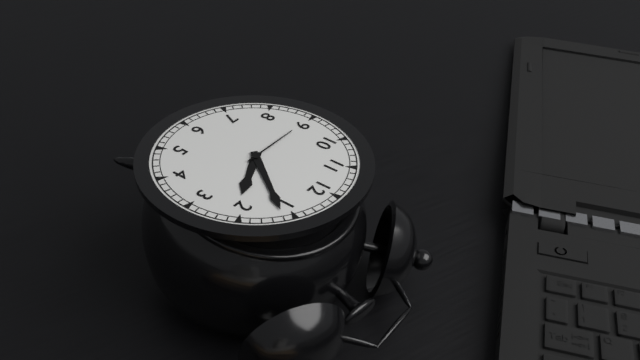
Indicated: 2:06:45
